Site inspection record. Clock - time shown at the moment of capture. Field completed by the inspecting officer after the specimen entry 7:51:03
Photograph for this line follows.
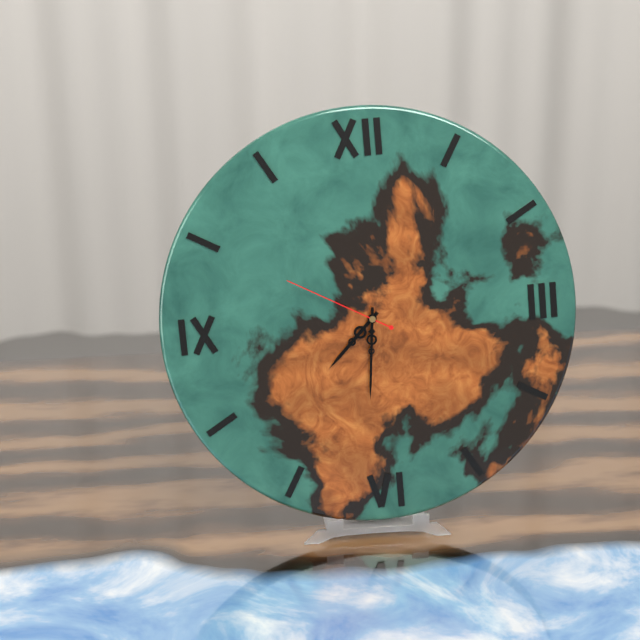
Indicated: 7:31:50
